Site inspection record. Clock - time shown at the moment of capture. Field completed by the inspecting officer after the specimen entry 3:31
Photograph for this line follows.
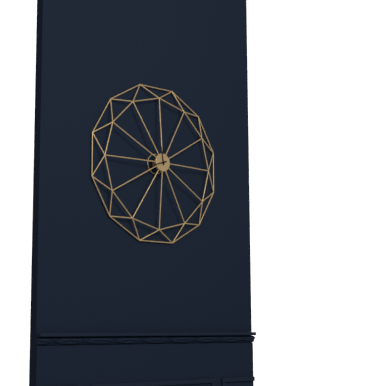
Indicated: 11:42
